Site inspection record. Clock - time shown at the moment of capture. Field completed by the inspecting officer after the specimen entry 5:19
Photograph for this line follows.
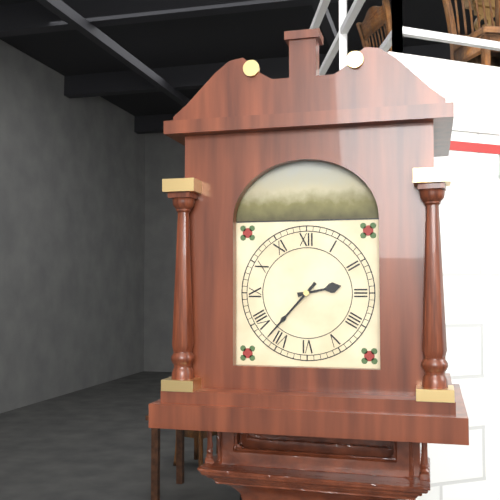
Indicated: 2:37
